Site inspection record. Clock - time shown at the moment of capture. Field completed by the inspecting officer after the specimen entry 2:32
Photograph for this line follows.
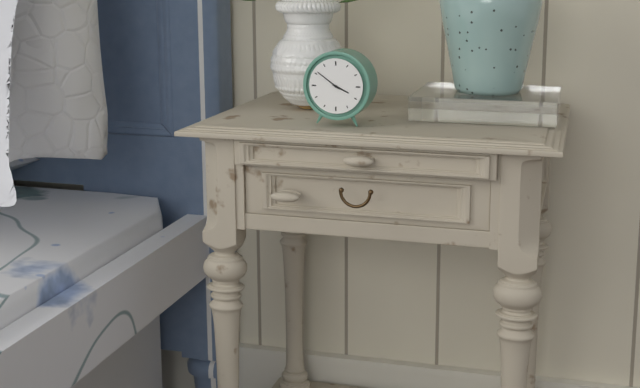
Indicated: 3:51
